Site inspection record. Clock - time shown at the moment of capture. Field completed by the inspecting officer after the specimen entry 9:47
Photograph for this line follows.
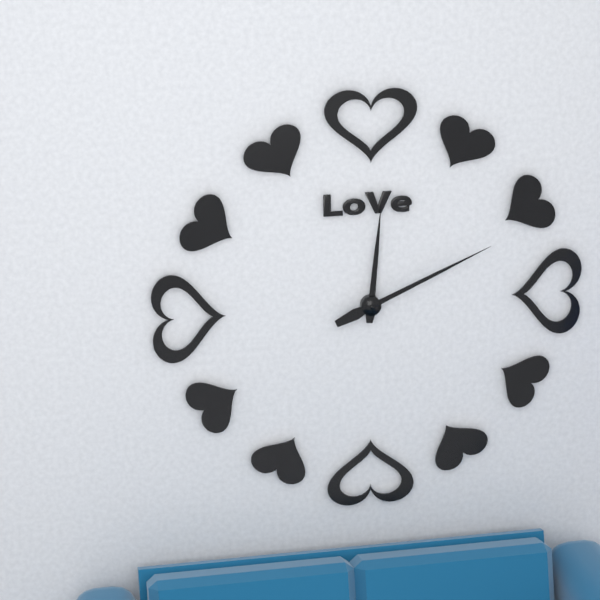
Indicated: 12:11
